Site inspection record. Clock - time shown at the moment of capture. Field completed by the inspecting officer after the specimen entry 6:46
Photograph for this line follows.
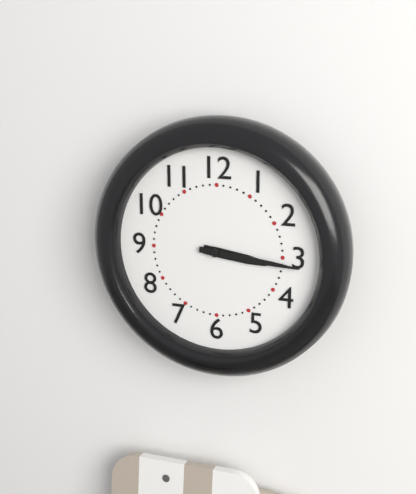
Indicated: 3:16
